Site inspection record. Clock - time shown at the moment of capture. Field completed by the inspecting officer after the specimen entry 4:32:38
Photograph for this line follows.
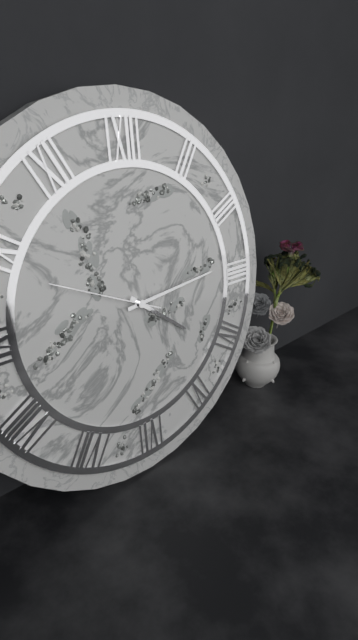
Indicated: 4:14:49
